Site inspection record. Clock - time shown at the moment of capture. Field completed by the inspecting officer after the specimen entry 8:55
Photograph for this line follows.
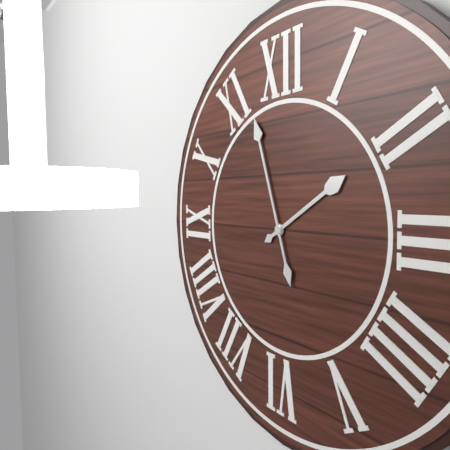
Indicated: 1:57
